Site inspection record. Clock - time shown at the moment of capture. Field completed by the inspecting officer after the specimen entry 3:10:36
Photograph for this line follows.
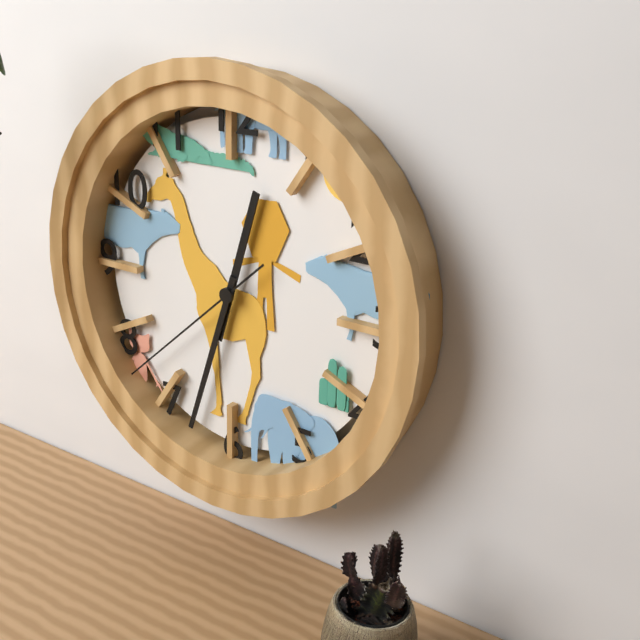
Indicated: 12:33:38
